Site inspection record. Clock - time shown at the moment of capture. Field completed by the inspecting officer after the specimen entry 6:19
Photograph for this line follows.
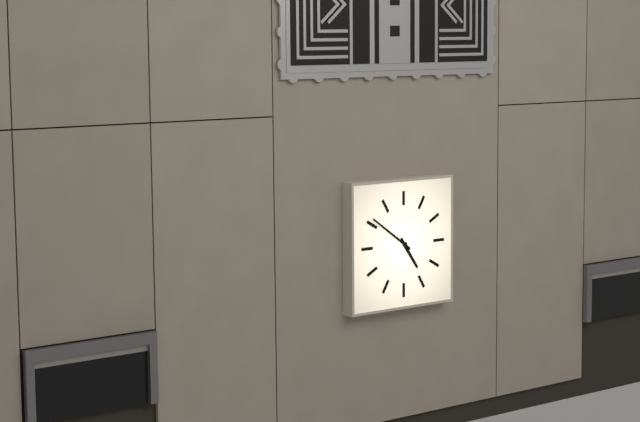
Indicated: 4:51
